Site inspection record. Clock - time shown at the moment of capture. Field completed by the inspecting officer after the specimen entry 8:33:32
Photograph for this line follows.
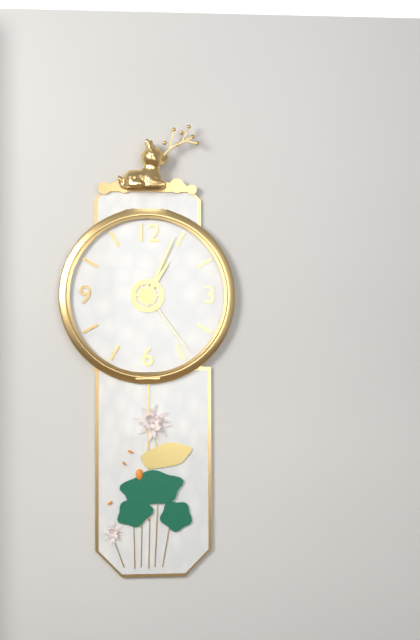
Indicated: 1:04:24
